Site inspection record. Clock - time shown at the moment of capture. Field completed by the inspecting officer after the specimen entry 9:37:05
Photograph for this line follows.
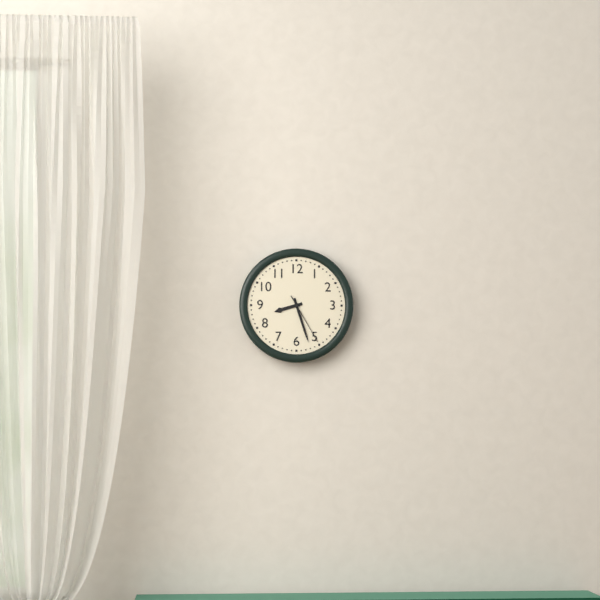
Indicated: 8:27:25
